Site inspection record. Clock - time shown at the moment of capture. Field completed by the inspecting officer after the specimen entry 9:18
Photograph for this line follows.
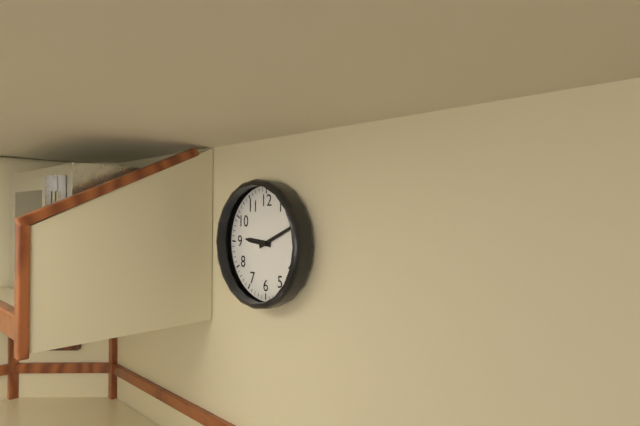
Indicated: 9:11
